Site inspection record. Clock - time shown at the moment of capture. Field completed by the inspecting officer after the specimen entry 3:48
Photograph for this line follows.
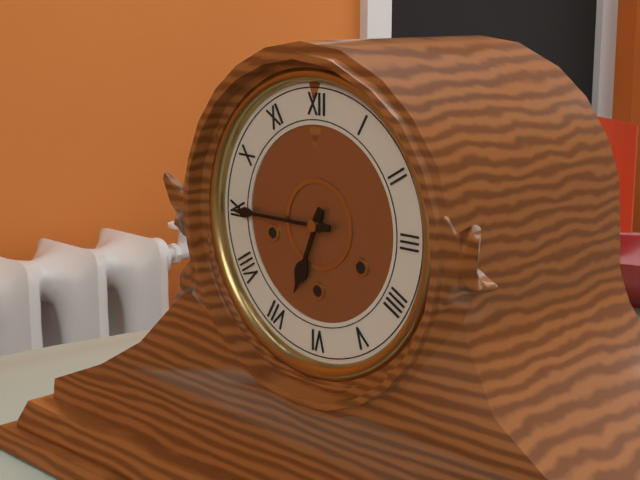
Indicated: 6:45
